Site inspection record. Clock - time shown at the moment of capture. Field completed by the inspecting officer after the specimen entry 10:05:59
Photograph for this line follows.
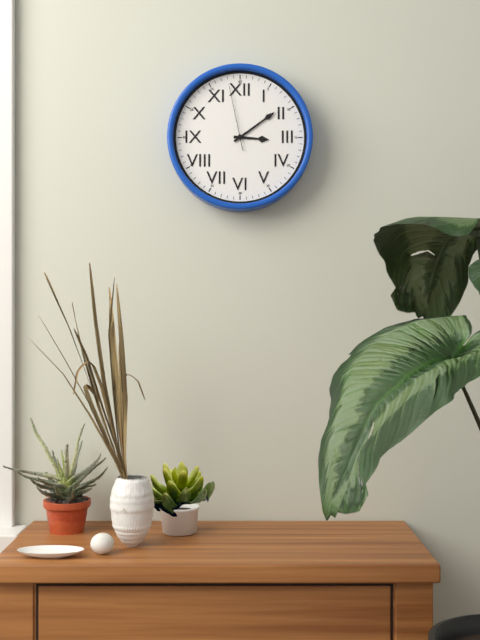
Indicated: 3:09:58
